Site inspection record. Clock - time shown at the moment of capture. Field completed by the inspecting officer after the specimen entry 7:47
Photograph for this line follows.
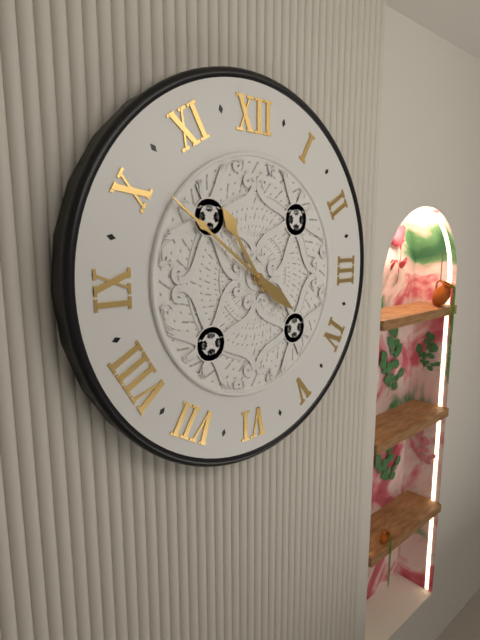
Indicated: 10:51
